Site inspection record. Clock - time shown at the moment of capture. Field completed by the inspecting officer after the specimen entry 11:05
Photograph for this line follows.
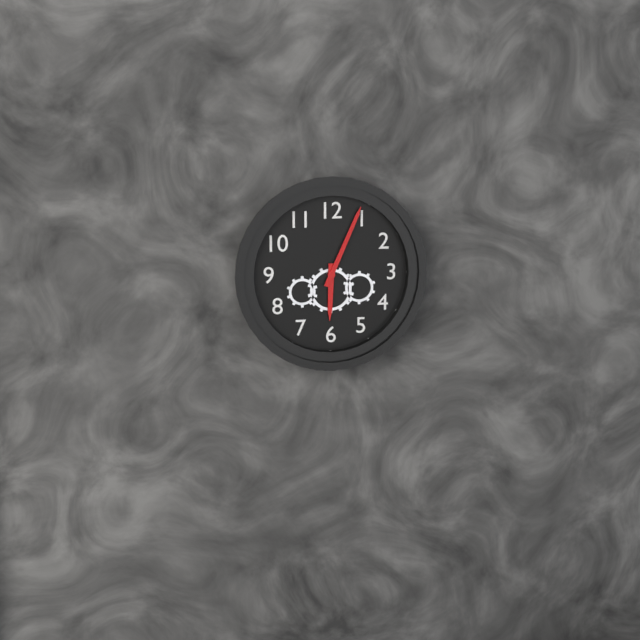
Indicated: 6:04
